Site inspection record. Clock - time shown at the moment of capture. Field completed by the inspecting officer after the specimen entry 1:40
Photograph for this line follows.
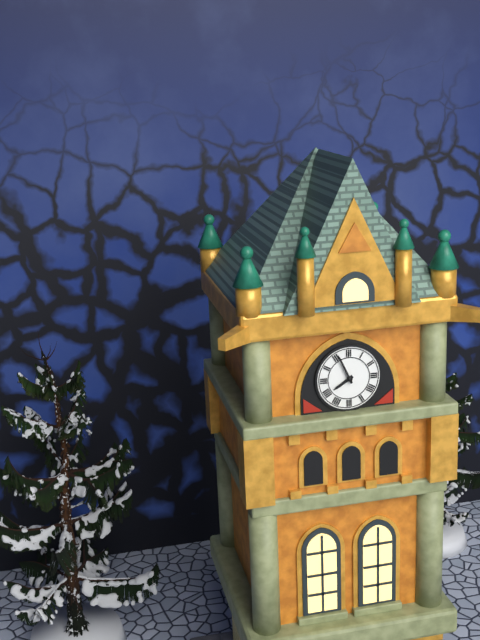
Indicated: 7:56
